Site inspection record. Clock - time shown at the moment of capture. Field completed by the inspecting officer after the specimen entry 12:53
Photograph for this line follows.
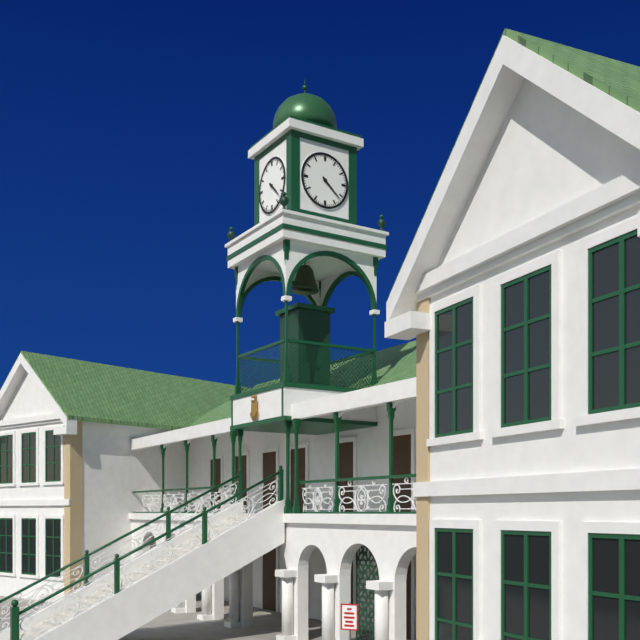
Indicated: 4:22
